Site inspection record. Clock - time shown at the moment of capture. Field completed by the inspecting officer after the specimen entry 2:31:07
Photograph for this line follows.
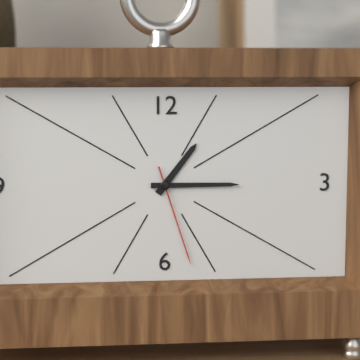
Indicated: 1:15:27
